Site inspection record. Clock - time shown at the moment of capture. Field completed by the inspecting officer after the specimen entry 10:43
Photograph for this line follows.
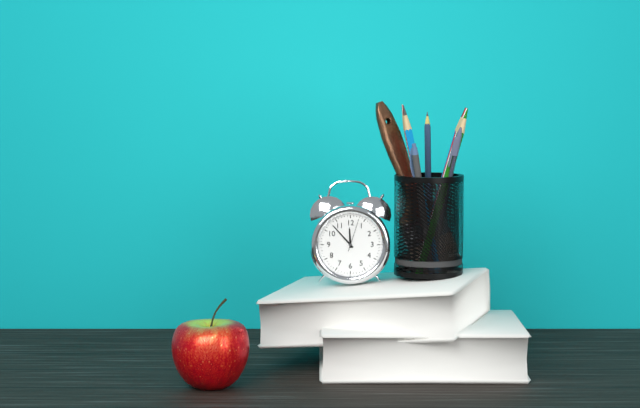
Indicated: 11:53
